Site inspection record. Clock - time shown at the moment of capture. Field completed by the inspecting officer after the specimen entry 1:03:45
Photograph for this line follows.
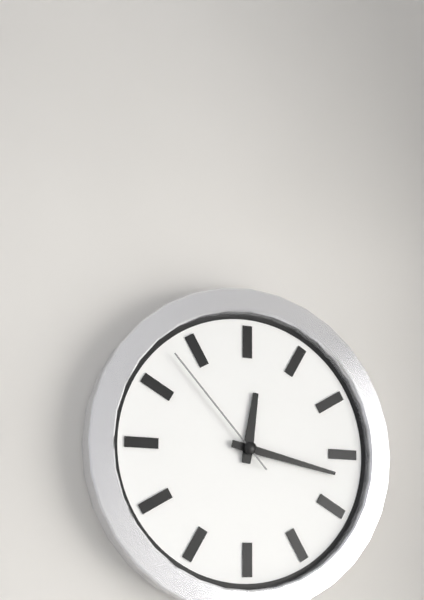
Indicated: 12:17:53
